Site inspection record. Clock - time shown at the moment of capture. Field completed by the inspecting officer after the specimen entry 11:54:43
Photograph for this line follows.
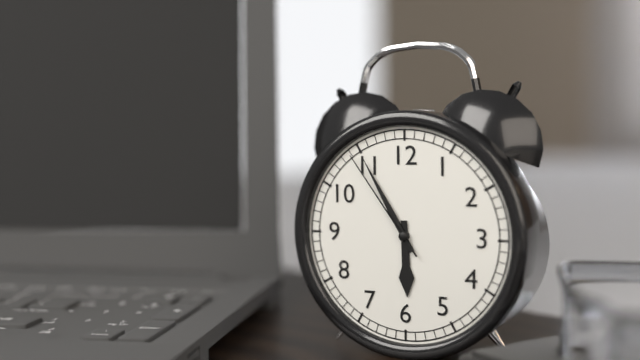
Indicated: 5:55:54
